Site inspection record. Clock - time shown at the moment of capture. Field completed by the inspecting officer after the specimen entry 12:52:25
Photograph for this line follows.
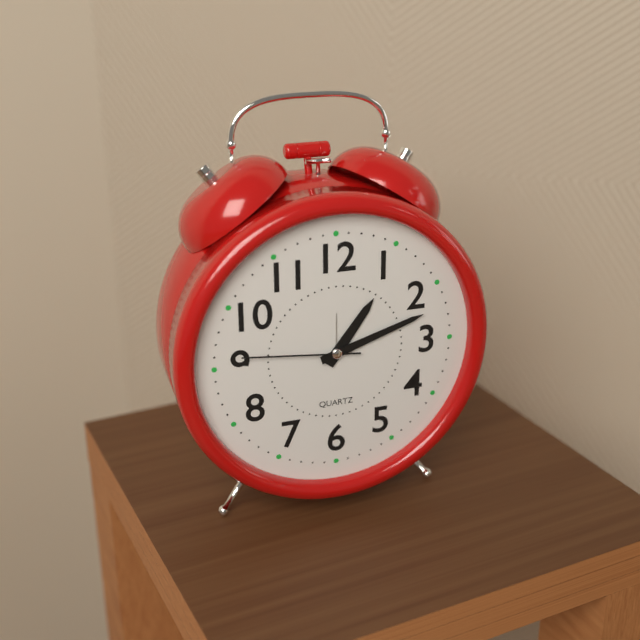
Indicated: 1:12:46
